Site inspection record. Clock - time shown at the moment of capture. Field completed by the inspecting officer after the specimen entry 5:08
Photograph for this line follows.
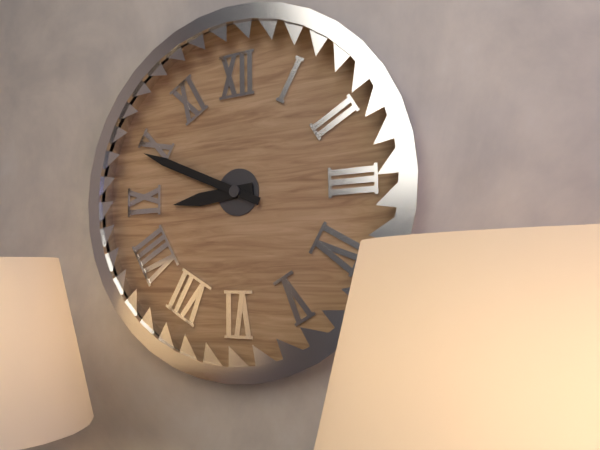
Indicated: 8:49
